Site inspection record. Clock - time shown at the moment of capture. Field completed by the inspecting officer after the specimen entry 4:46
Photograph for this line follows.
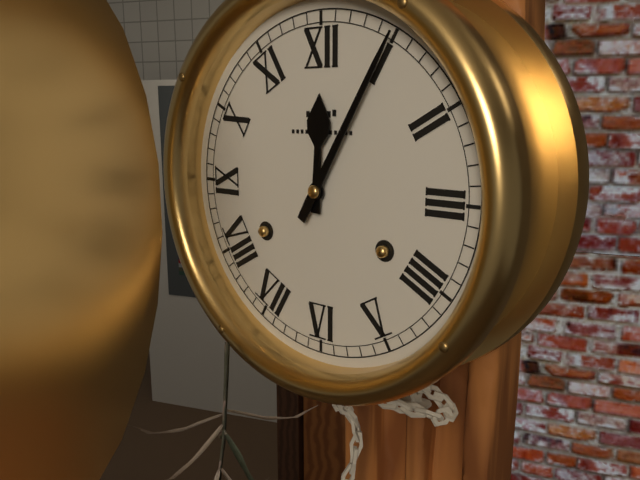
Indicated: 12:05
